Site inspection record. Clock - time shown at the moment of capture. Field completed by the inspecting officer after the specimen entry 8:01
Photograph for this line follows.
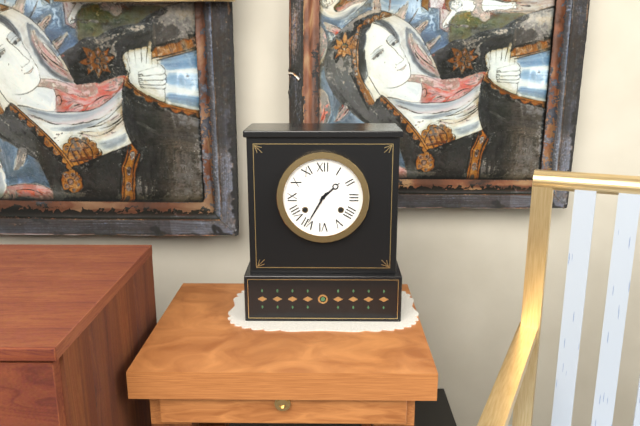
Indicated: 1:35
